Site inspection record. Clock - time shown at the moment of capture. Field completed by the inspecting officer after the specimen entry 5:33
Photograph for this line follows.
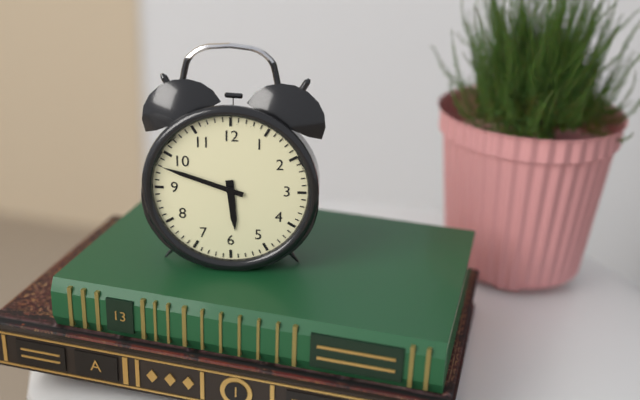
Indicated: 5:48
